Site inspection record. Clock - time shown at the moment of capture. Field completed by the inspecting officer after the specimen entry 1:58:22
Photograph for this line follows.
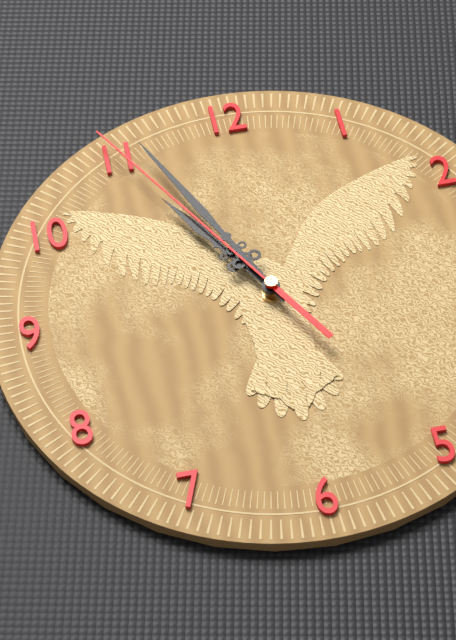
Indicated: 10:56:55
